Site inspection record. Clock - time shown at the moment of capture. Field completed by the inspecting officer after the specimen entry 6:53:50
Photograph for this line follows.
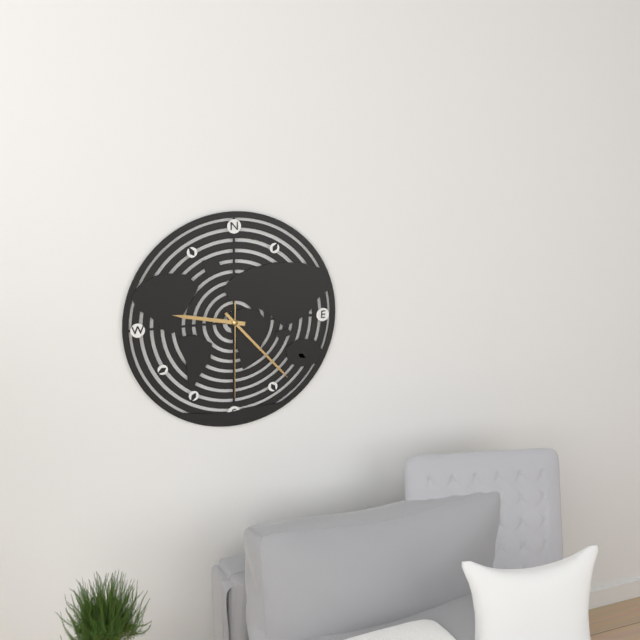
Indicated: 9:23:30
